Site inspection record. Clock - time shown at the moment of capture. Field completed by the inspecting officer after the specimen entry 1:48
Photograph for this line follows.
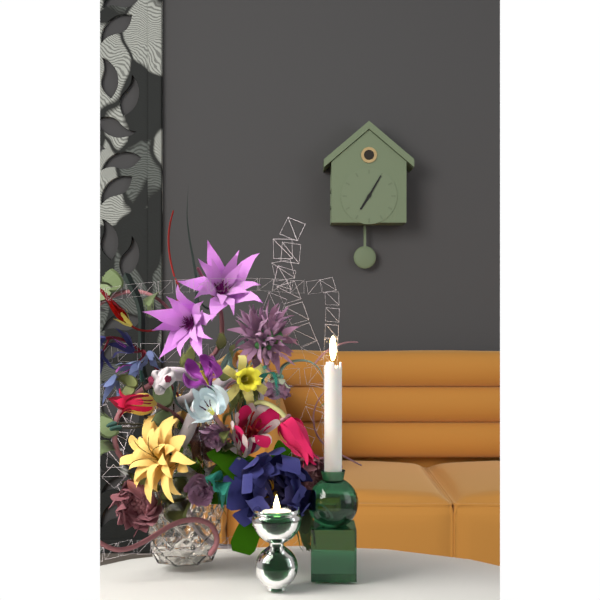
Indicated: 7:05
